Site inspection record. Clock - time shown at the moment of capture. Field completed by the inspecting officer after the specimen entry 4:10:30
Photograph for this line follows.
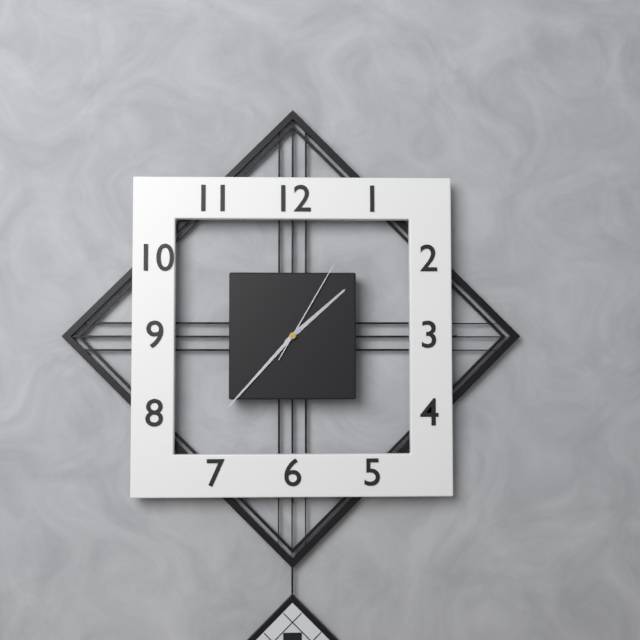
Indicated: 1:37:05
